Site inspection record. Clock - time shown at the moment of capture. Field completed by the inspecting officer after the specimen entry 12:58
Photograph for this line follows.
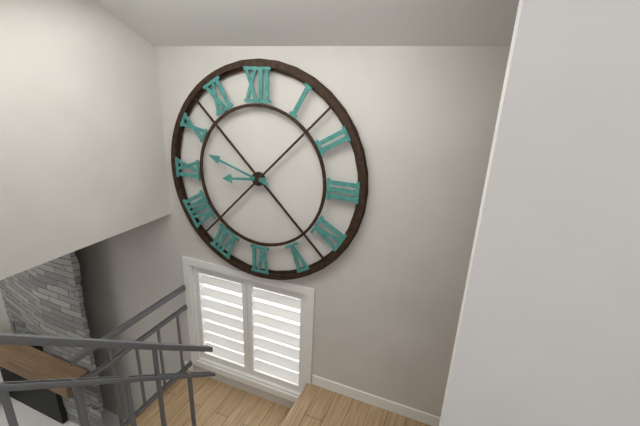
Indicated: 8:48
